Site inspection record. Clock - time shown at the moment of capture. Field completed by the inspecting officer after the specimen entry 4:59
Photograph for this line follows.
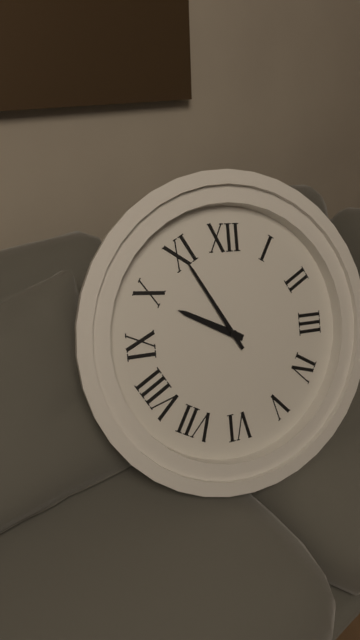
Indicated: 9:55
